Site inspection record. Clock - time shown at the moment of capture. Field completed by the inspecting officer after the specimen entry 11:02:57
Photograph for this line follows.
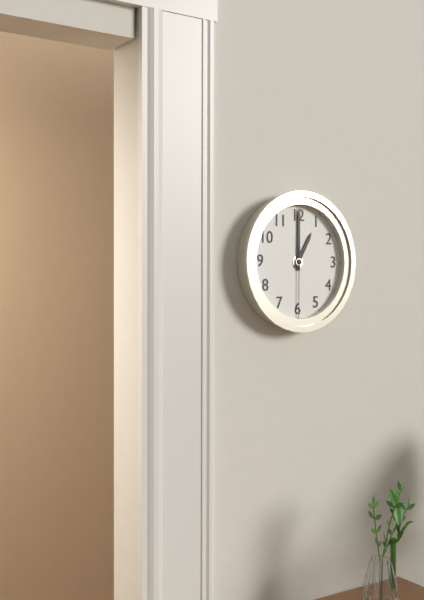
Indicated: 1:00:30
